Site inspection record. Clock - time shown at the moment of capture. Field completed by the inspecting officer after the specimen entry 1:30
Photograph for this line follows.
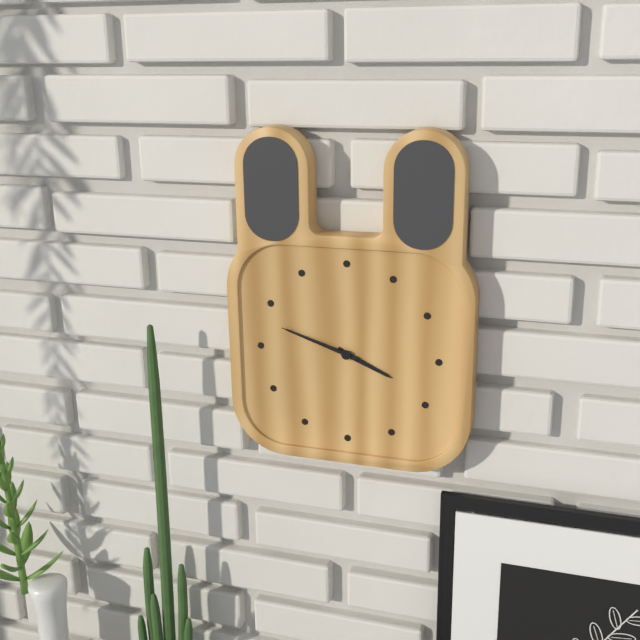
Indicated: 3:48
